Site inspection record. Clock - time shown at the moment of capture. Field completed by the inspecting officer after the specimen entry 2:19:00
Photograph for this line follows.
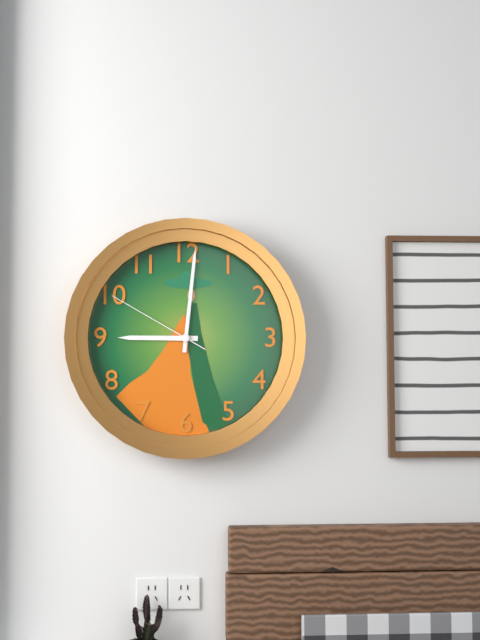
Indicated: 9:01:50
